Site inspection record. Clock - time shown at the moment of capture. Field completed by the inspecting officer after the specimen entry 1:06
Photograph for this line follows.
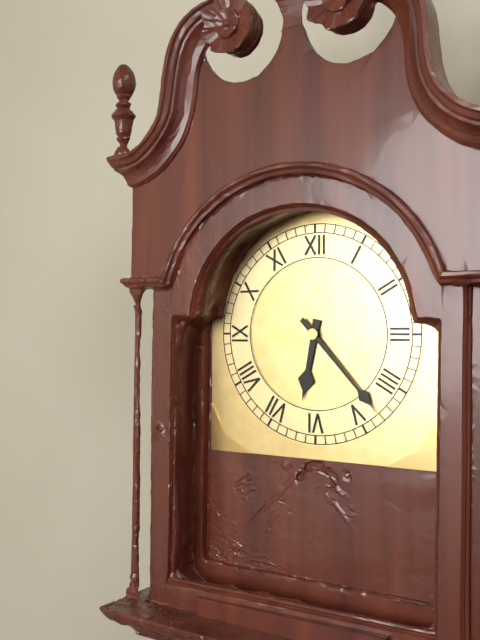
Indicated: 6:23
